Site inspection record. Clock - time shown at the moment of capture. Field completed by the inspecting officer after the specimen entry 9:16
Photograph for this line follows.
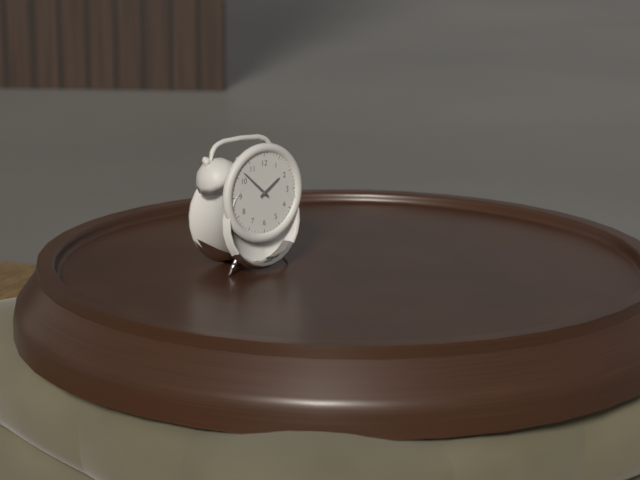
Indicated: 1:52
